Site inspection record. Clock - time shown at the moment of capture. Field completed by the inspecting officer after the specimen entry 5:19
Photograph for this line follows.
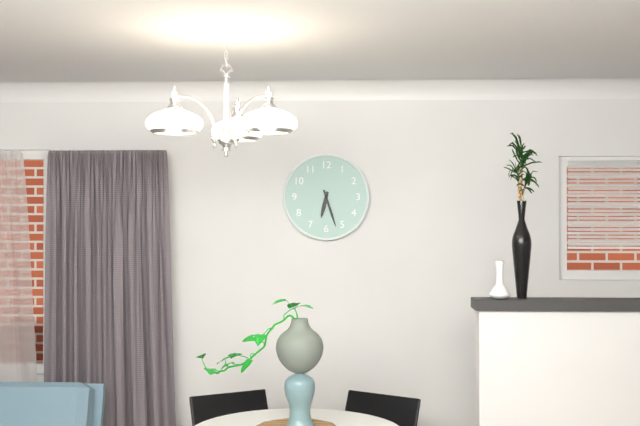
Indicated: 6:27
